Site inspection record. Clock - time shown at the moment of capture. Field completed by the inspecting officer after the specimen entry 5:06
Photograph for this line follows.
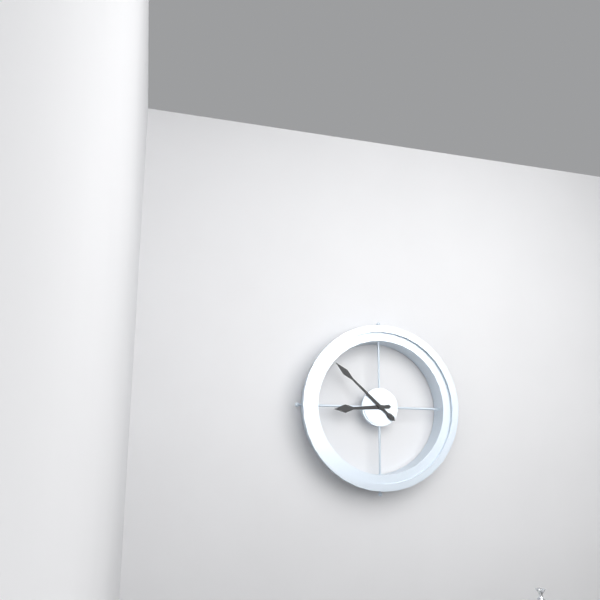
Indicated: 8:52
